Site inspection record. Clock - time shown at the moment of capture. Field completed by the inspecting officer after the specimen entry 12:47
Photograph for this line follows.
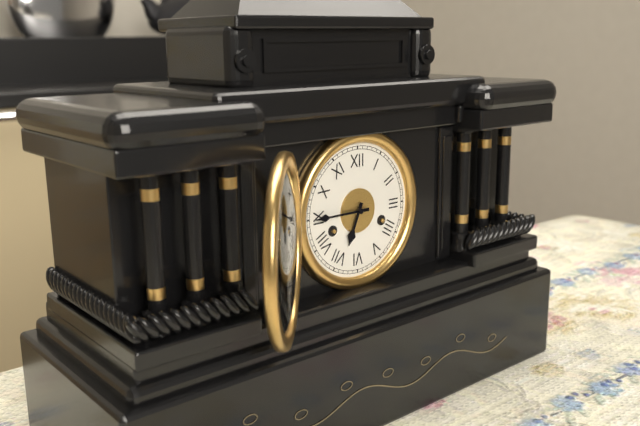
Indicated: 6:45
